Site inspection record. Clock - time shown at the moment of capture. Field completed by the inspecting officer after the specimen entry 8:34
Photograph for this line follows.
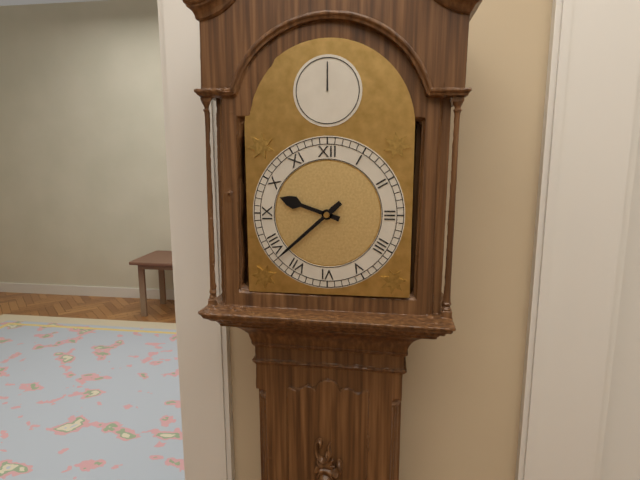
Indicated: 9:38
